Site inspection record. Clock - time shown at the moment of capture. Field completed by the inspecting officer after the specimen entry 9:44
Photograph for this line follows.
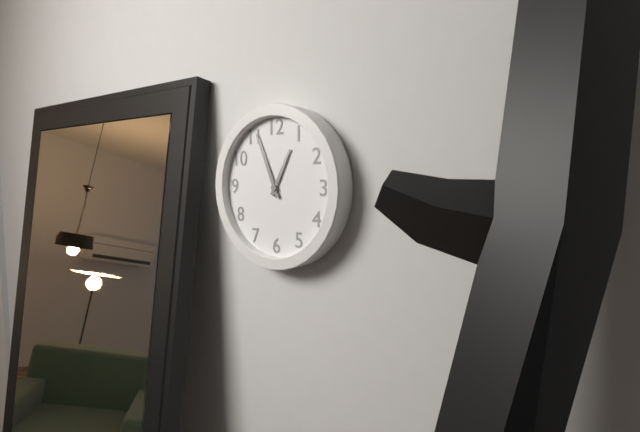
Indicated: 12:56
